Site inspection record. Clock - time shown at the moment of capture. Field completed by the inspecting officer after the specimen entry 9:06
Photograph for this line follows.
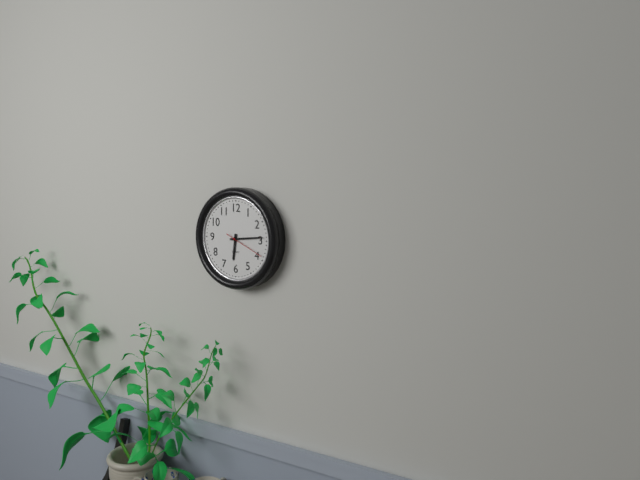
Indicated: 6:14
